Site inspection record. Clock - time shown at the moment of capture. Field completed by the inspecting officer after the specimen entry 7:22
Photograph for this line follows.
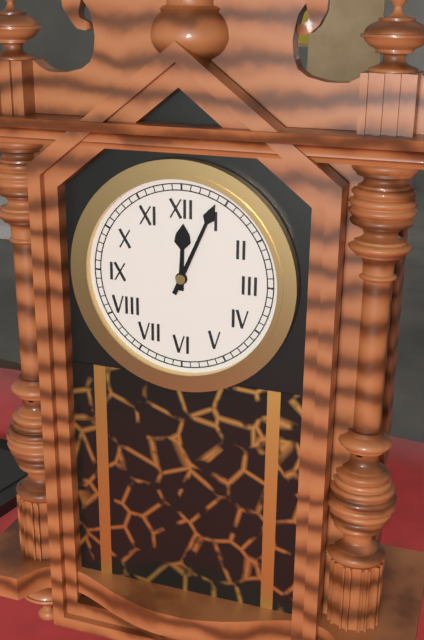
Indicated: 12:04
